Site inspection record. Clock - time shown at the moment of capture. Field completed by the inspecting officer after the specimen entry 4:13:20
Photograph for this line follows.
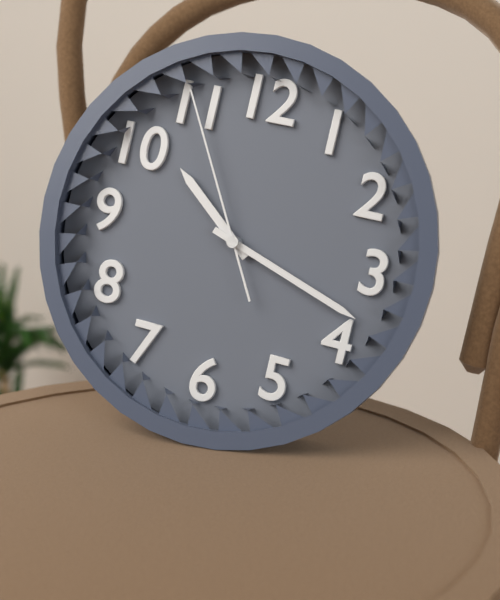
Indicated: 10:18:55
